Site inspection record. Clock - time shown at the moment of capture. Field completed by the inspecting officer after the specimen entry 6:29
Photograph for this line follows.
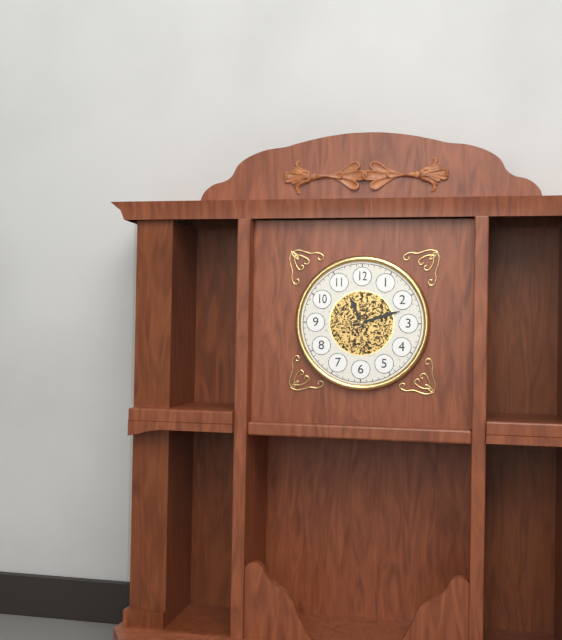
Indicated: 11:12
